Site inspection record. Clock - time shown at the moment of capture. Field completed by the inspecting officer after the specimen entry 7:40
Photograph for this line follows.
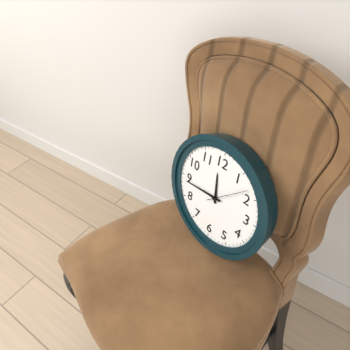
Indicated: 11:44
